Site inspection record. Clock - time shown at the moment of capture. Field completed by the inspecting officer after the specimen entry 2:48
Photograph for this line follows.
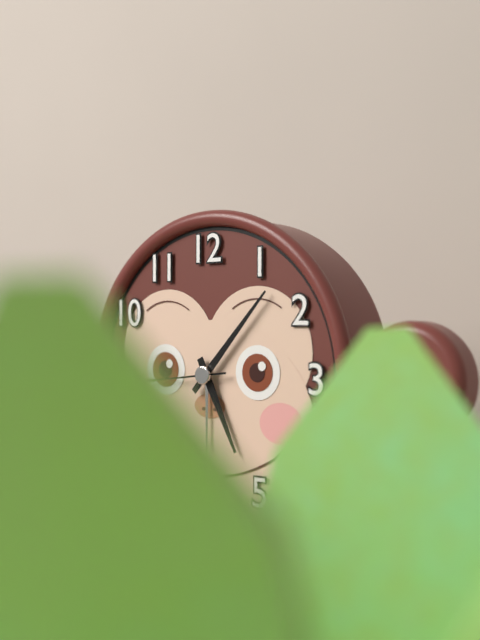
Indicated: 5:07
